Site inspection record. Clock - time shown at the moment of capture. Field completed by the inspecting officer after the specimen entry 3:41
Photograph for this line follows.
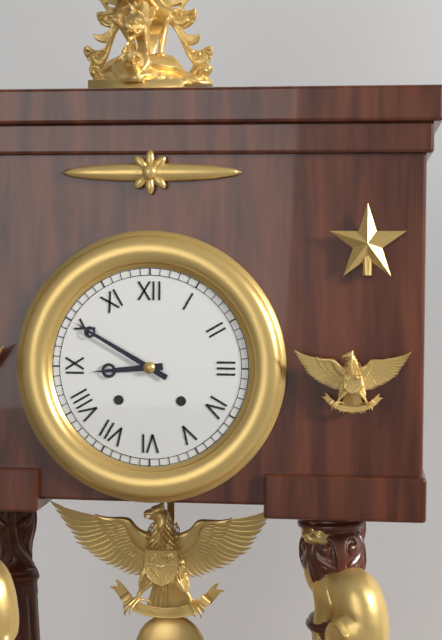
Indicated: 8:50
